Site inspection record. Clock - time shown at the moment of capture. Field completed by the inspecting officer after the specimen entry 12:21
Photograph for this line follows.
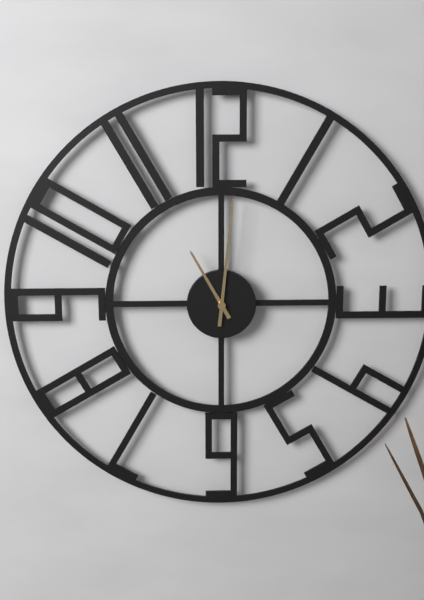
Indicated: 11:01
